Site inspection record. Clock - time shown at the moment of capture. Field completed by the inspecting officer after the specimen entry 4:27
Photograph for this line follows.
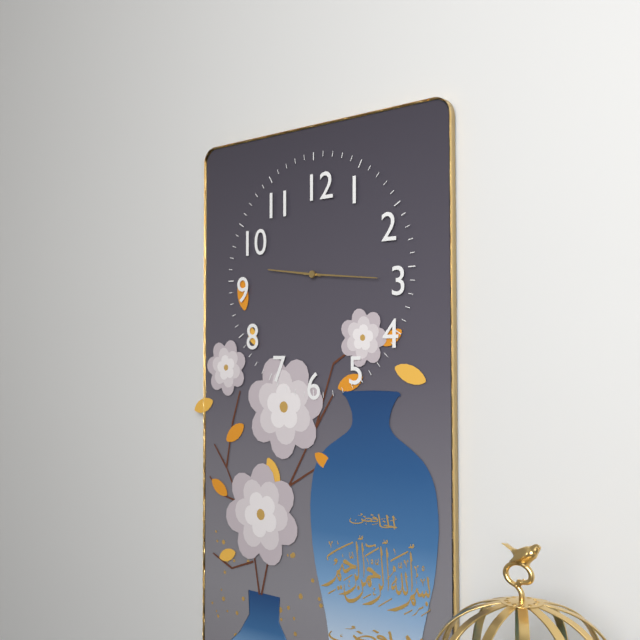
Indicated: 9:16
